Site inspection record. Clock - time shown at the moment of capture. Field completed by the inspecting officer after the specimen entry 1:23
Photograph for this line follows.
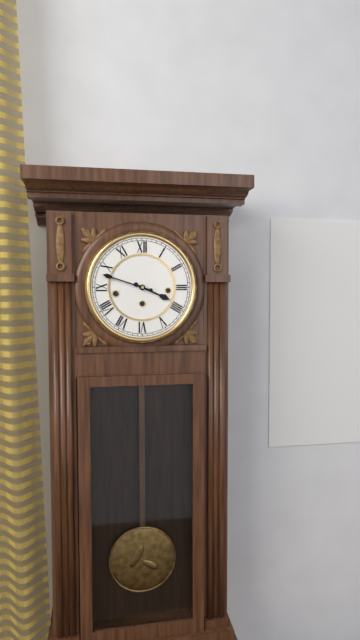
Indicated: 3:48
